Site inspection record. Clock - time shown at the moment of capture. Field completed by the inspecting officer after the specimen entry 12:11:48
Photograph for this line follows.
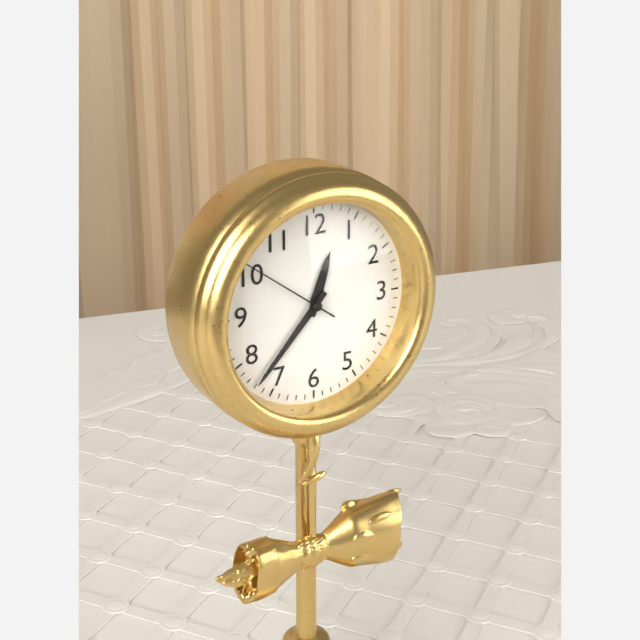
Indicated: 12:37:51
